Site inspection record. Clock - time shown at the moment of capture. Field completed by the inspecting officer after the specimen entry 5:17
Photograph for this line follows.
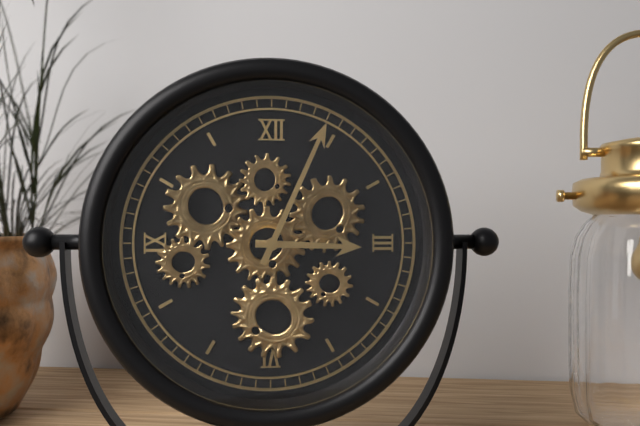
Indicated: 3:04
